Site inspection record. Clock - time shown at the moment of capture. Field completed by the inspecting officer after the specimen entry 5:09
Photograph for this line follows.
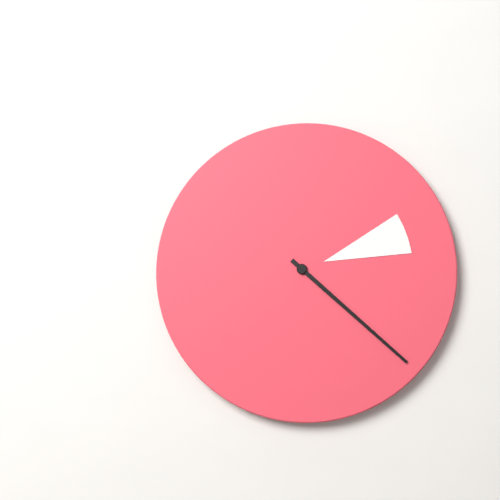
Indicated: 2:22
